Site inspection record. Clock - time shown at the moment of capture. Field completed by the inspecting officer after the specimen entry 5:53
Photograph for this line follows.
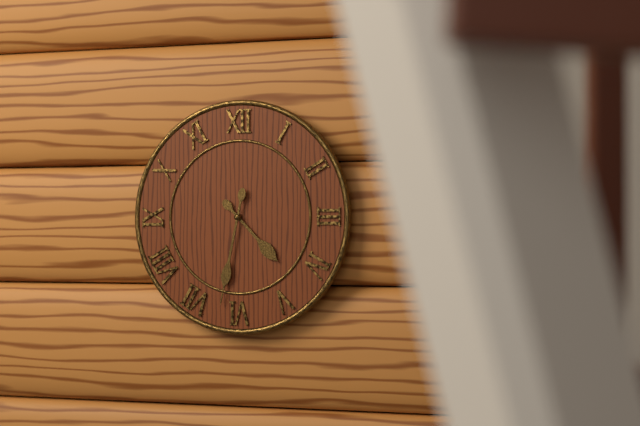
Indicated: 4:32
